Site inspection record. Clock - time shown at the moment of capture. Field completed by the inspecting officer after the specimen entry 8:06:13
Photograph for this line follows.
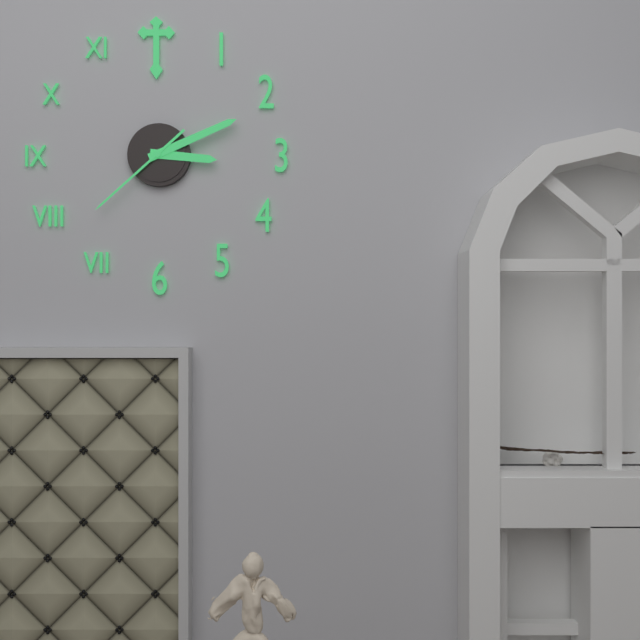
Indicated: 3:11:38
